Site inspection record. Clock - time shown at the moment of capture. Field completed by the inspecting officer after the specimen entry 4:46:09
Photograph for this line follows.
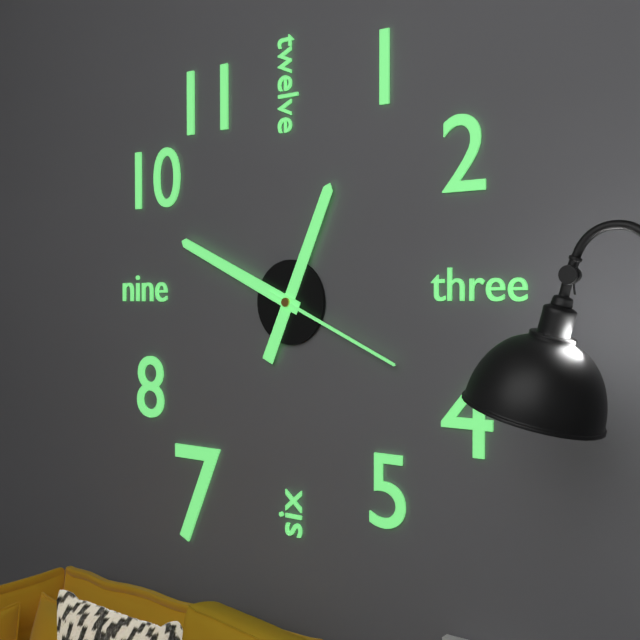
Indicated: 12:49:19
